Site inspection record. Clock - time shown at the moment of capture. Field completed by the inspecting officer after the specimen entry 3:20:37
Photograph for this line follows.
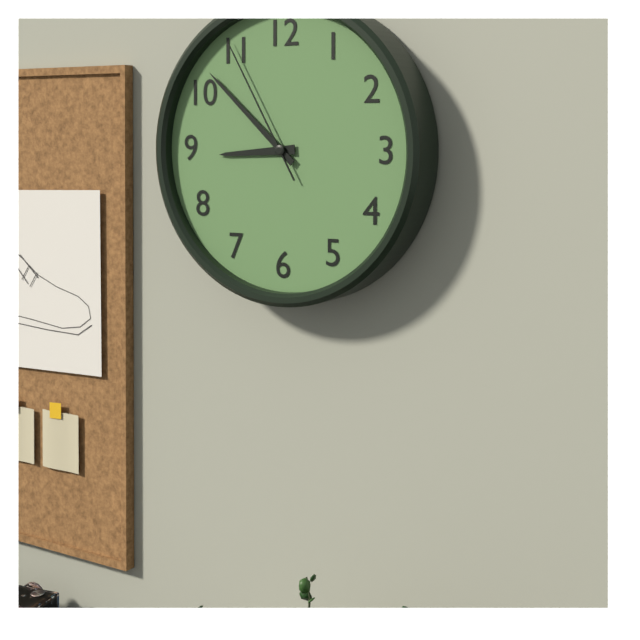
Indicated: 8:52:55
